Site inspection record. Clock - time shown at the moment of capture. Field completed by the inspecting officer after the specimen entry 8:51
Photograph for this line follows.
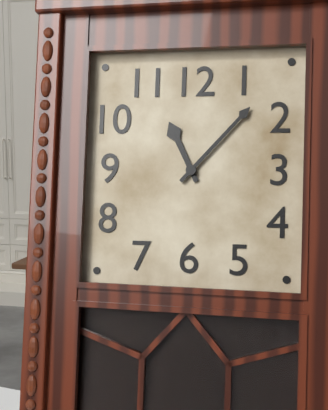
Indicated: 11:07
